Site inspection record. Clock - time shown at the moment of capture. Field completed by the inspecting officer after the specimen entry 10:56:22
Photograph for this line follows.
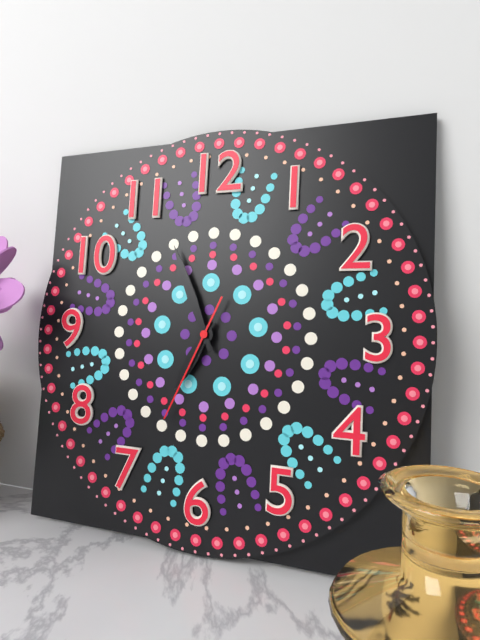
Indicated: 6:56:34
